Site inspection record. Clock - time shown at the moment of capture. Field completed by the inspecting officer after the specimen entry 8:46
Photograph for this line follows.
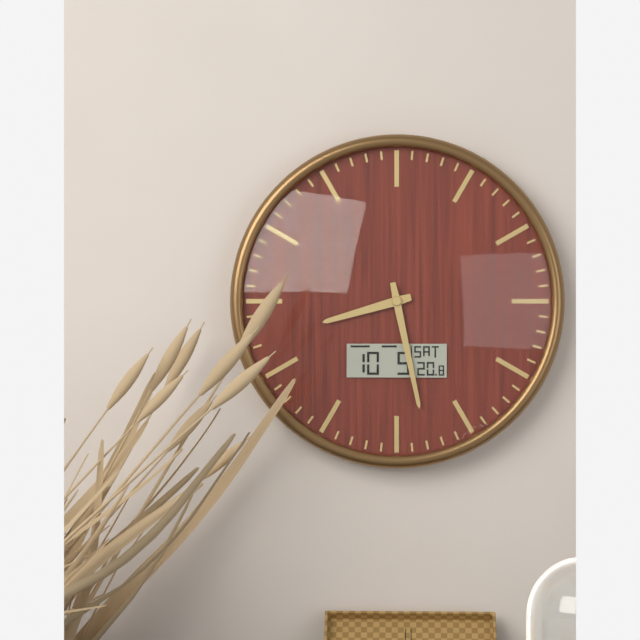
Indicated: 8:28
